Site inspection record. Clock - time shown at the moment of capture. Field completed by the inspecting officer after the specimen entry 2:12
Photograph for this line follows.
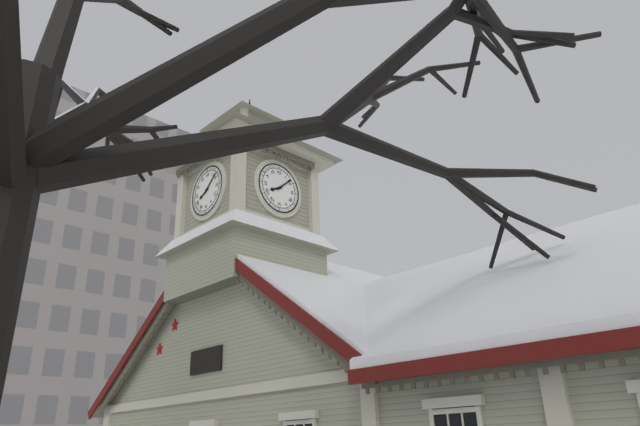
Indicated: 8:08
